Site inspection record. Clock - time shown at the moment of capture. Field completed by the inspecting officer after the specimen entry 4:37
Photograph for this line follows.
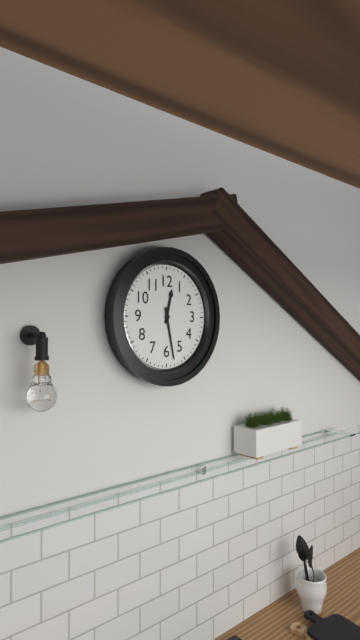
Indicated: 12:28
